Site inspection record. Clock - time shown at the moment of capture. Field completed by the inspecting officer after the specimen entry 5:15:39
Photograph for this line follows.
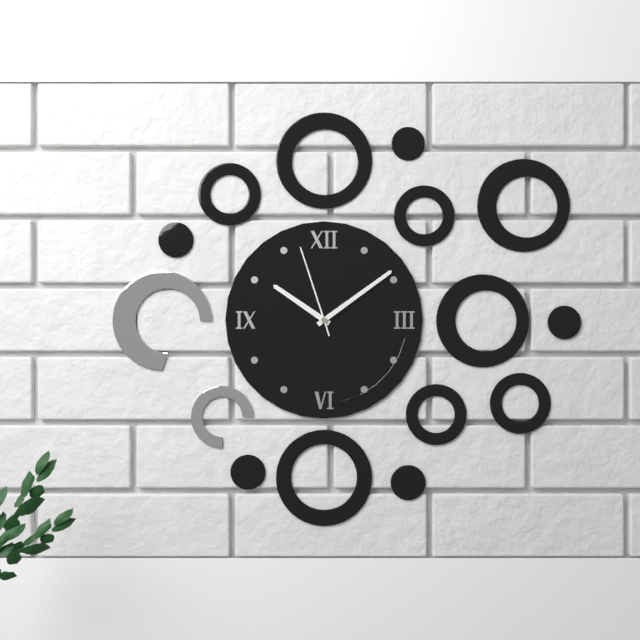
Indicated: 10:09:57
